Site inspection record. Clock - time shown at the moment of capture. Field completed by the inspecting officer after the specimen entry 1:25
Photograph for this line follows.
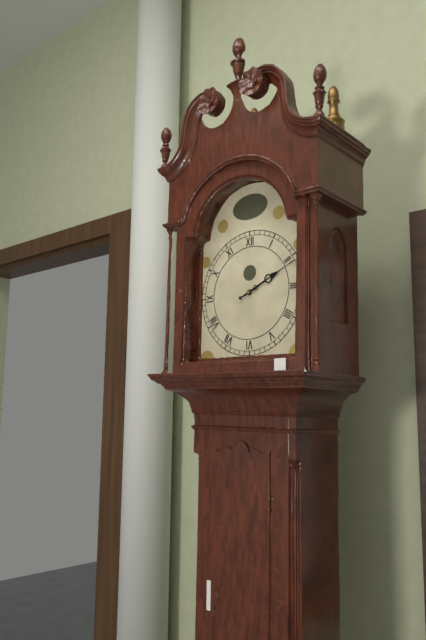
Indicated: 2:11
